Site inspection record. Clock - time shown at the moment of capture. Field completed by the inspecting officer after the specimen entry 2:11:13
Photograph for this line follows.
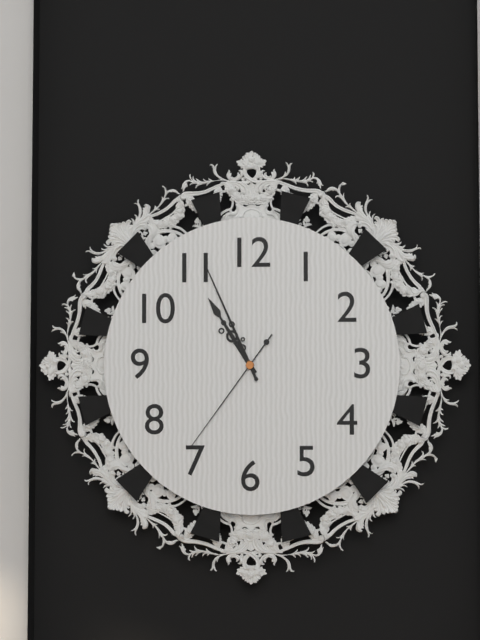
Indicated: 10:56:36
